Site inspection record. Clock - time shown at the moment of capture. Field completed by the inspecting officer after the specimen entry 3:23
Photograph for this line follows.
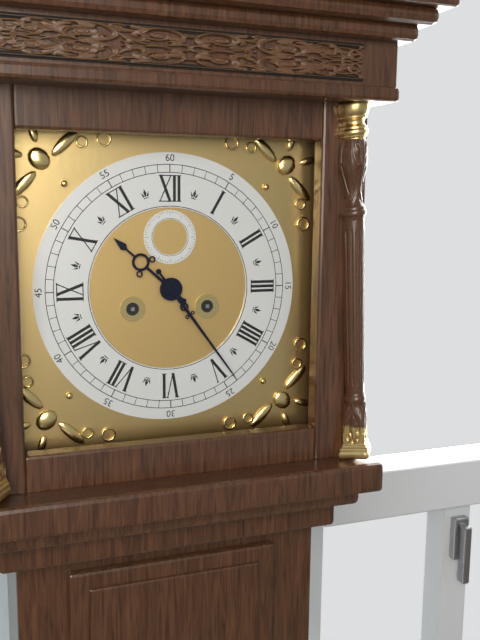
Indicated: 10:24
